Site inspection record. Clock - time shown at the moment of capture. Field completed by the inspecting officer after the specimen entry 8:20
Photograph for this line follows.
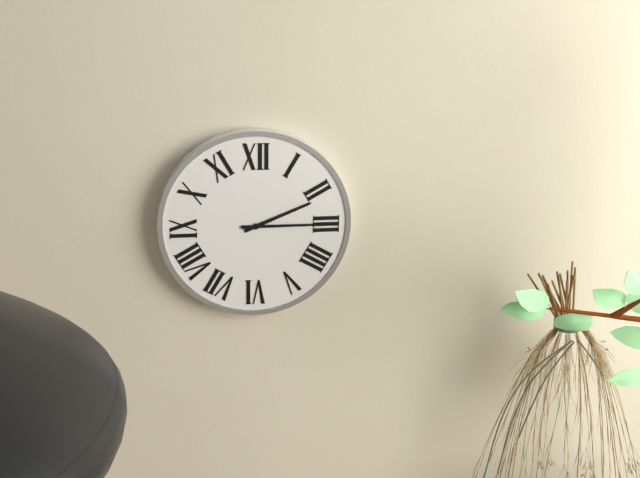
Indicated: 2:15
